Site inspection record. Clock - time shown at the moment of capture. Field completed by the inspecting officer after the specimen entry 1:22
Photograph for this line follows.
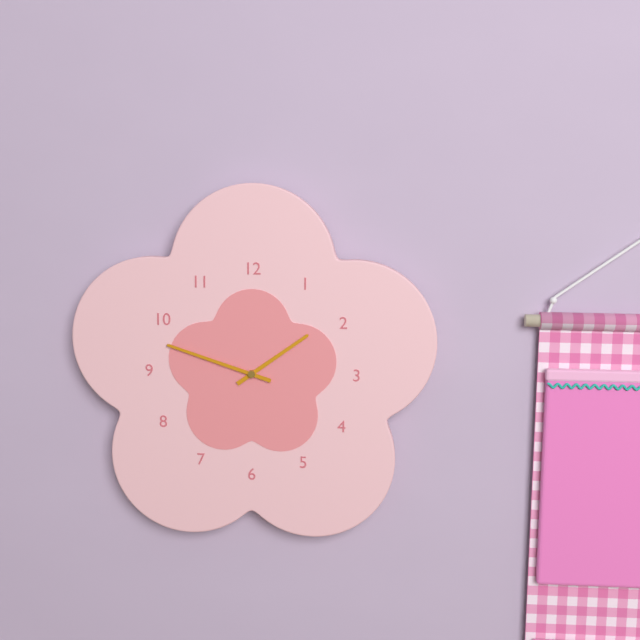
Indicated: 1:48
